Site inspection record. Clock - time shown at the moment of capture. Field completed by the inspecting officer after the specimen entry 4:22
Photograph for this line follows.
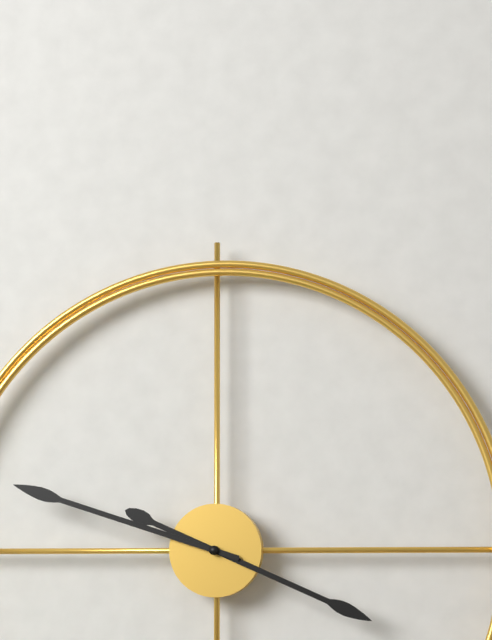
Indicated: 3:48
